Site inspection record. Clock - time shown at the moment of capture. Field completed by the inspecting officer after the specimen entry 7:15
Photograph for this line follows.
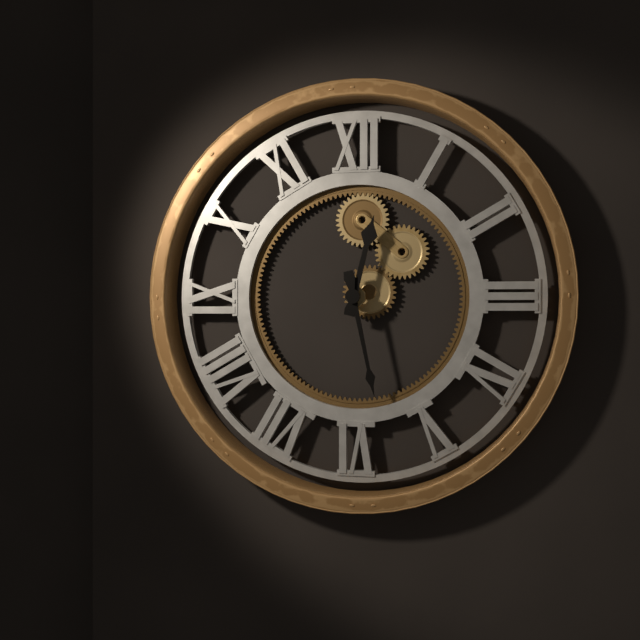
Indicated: 12:28
